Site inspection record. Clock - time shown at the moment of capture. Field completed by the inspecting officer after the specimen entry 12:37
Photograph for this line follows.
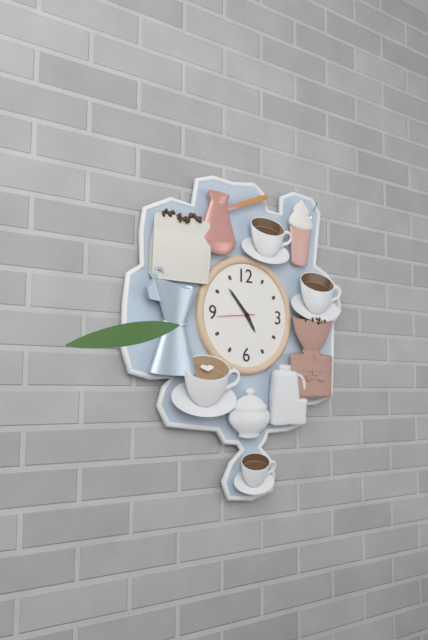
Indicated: 4:53
